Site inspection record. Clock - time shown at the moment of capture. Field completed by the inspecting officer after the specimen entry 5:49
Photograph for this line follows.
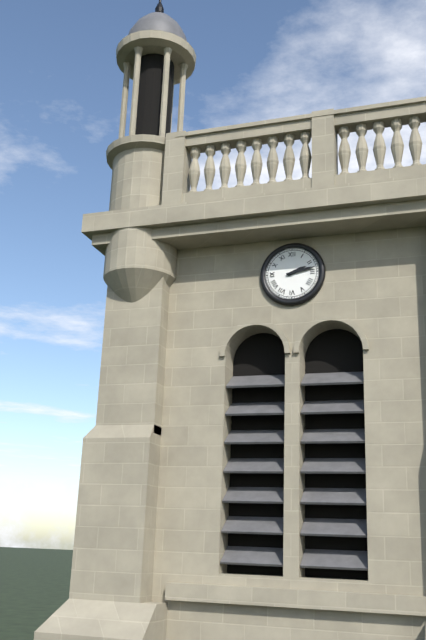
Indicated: 2:13
